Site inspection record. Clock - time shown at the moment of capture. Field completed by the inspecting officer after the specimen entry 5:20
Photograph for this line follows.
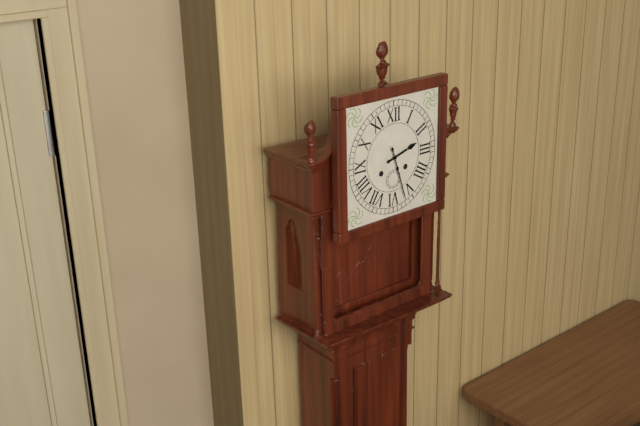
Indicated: 2:27
